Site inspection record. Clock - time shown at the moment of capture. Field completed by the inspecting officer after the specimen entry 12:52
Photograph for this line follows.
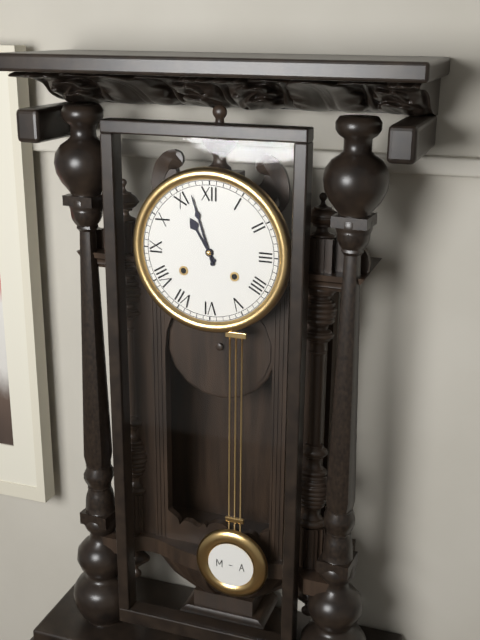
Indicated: 10:57
